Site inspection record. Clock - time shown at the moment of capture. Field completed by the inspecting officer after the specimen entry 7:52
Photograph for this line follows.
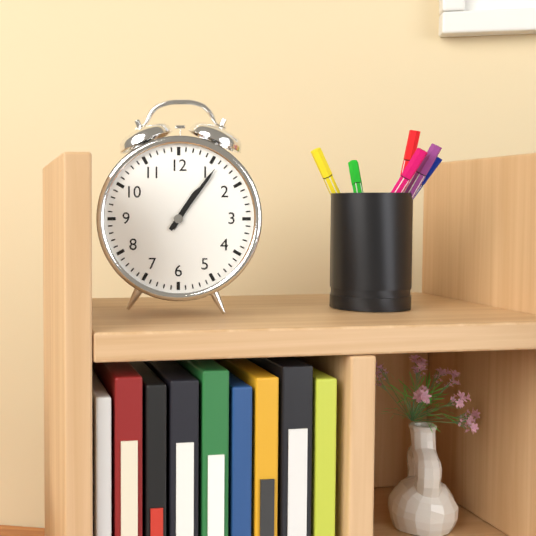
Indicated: 1:06
